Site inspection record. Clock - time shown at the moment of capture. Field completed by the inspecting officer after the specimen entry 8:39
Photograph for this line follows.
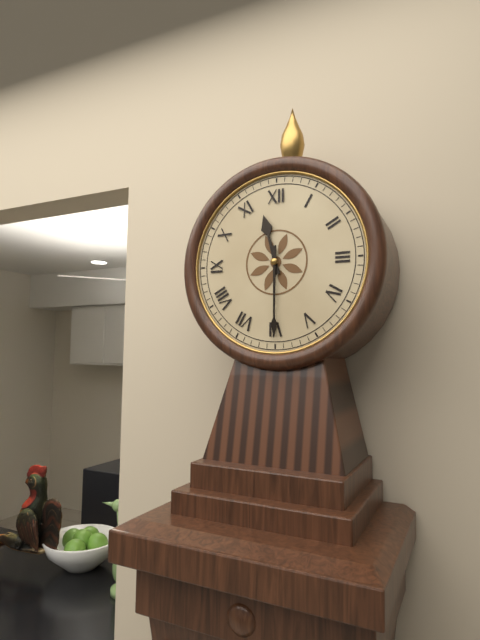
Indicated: 11:30
